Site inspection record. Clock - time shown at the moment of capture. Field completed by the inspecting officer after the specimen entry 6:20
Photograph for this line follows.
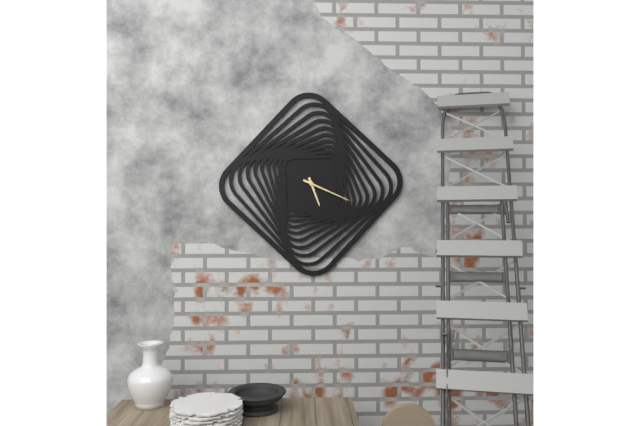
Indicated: 5:19
